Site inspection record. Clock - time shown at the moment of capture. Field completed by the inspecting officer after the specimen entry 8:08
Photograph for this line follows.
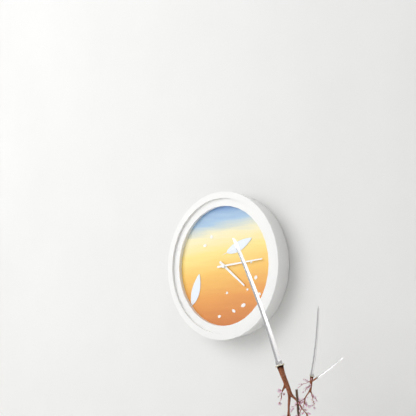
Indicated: 4:14
